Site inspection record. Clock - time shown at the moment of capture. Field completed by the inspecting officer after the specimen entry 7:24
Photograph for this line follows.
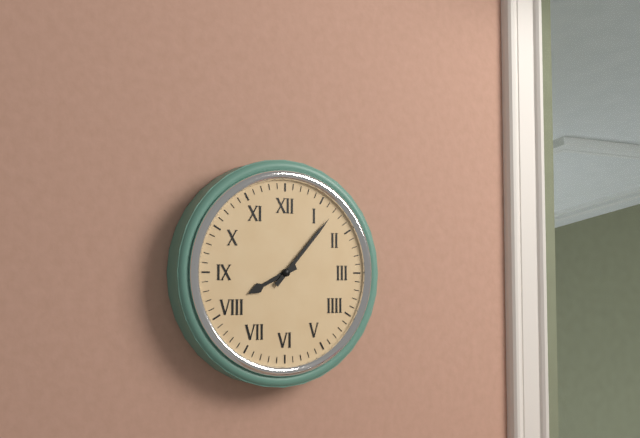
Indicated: 8:07
